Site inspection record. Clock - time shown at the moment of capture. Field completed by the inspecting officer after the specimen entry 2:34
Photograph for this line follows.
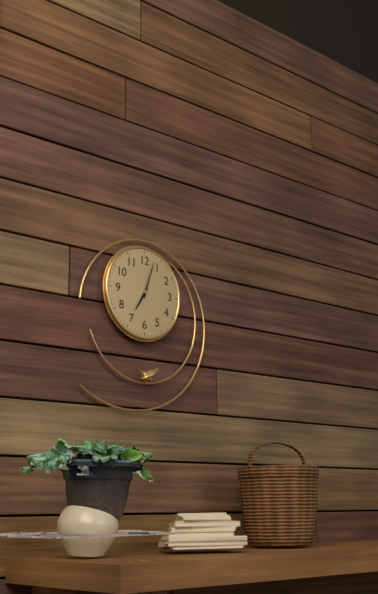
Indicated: 7:03
